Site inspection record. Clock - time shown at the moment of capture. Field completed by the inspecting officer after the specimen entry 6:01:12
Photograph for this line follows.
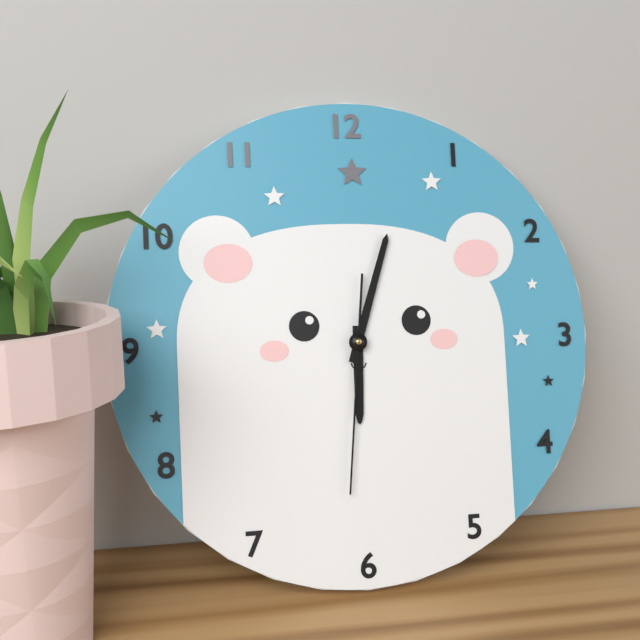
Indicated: 6:03:31
